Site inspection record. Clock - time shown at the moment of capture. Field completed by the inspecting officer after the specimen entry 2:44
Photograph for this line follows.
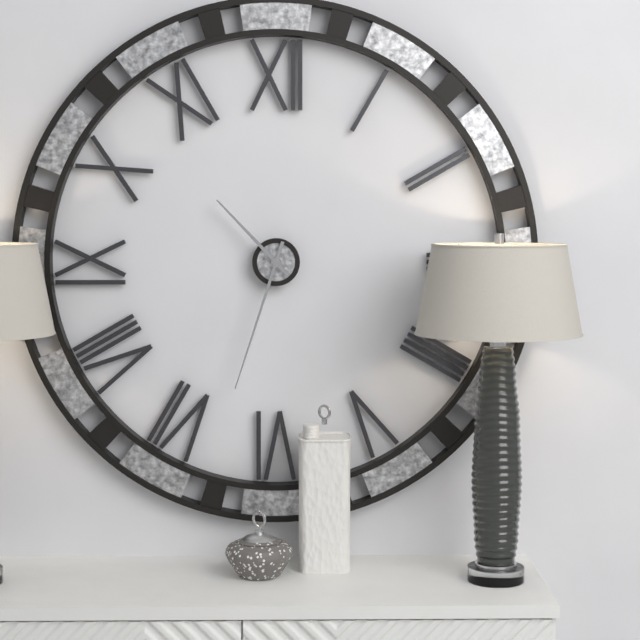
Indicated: 10:33
